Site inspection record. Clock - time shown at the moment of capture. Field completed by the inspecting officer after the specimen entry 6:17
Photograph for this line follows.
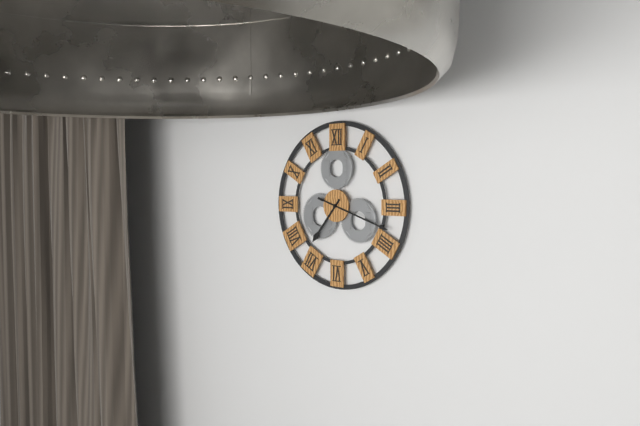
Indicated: 7:18
